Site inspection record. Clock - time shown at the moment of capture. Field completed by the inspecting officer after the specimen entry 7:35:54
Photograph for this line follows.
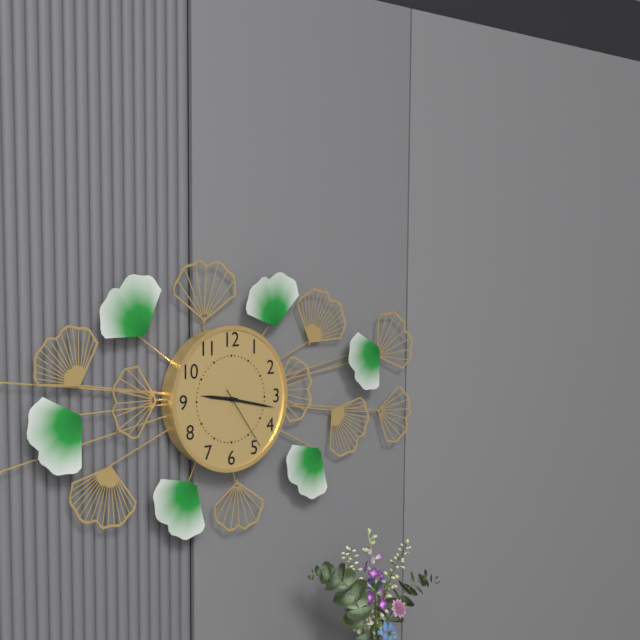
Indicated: 9:17:24
